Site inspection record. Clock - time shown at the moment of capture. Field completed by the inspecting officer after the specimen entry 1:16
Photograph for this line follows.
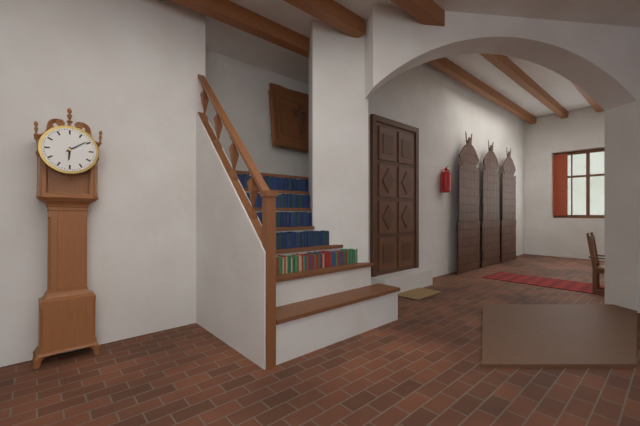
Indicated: 6:09
